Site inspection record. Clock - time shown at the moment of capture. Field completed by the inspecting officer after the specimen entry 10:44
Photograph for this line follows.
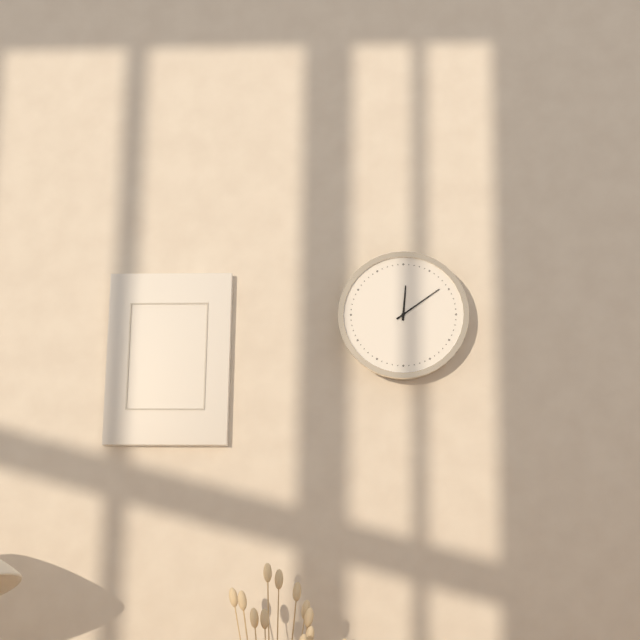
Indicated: 12:09
